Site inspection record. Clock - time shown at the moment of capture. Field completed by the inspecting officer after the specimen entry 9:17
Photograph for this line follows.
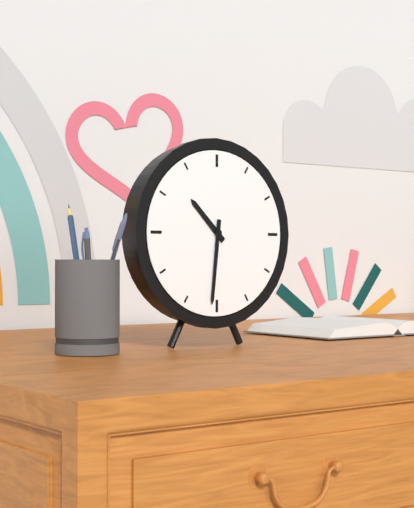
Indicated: 10:31
